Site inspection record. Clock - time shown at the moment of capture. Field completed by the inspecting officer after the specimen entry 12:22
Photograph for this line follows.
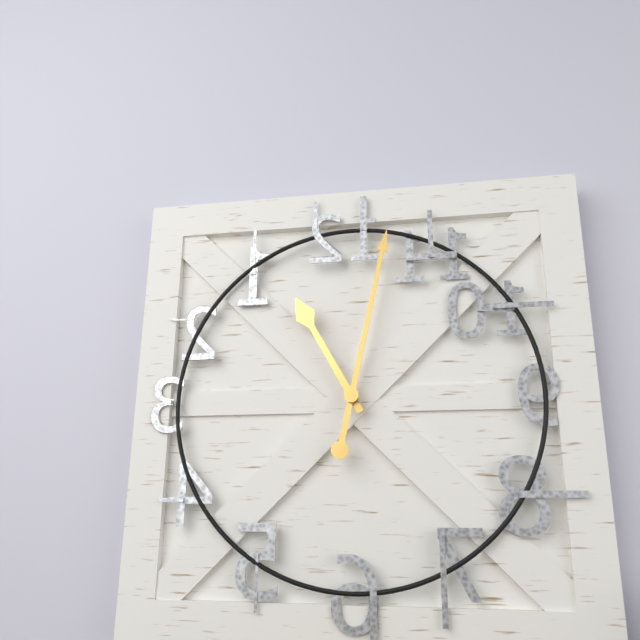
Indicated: 11:02
